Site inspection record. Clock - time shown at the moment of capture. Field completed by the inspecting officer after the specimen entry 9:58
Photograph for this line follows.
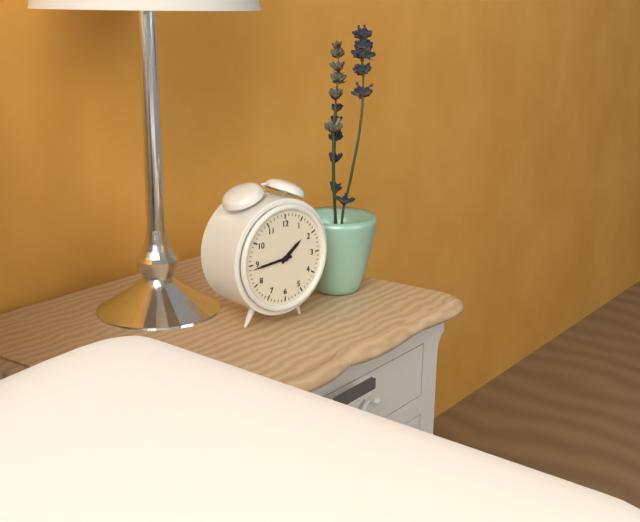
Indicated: 1:44
